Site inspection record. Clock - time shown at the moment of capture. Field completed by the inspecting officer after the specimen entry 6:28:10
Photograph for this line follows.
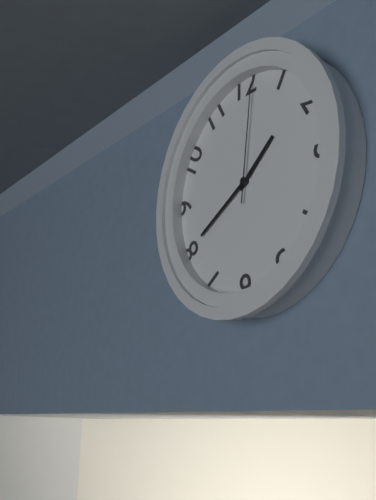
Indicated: 1:40:01
